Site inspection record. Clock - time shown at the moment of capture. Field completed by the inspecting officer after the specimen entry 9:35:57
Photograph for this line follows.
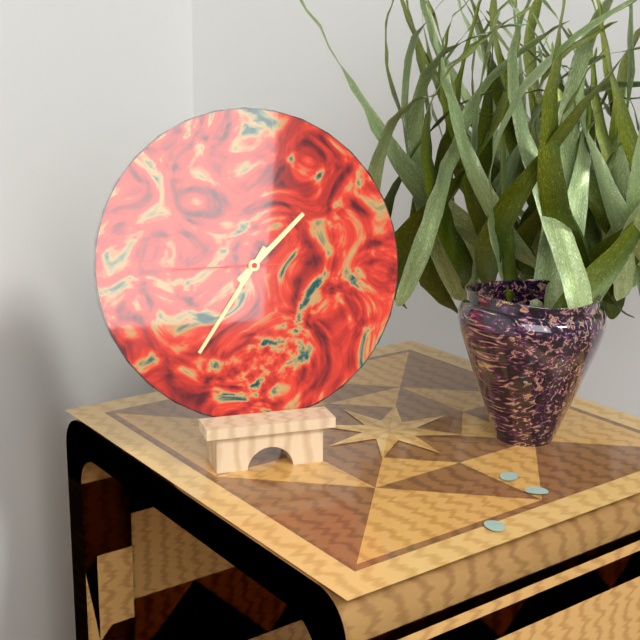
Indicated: 1:36:45
